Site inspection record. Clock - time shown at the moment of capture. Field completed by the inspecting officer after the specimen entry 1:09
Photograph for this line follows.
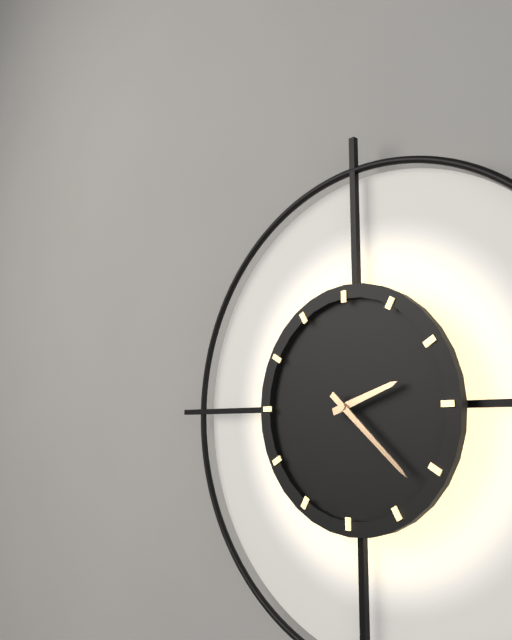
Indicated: 2:22
